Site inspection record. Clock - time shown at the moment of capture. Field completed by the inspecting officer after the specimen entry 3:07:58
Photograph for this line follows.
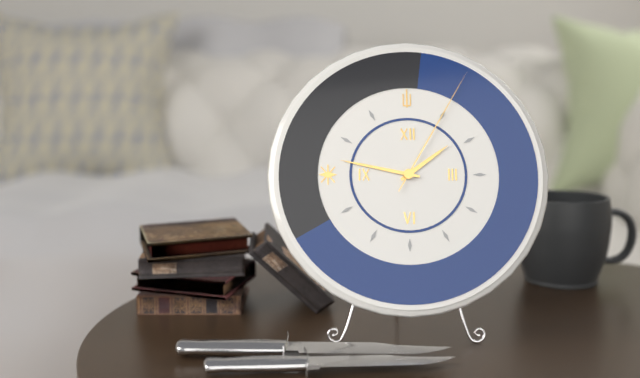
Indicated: 1:47:05
